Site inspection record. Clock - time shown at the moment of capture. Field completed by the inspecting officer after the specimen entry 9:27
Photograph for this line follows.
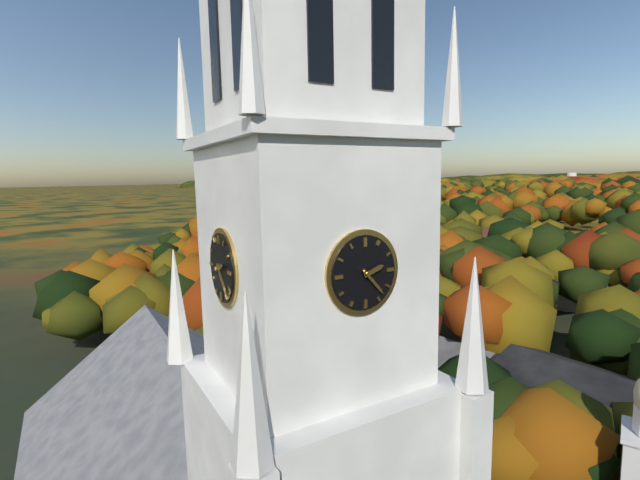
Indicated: 2:23
